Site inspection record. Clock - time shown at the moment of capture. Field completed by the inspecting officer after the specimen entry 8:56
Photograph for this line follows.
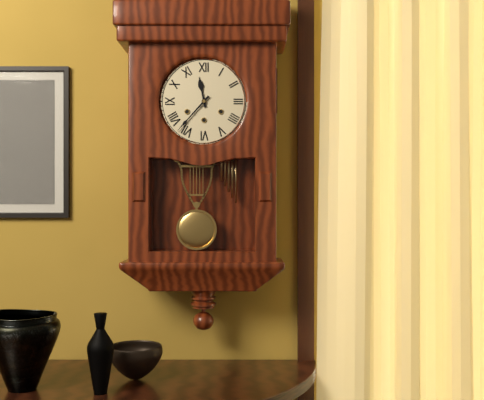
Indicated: 11:37
